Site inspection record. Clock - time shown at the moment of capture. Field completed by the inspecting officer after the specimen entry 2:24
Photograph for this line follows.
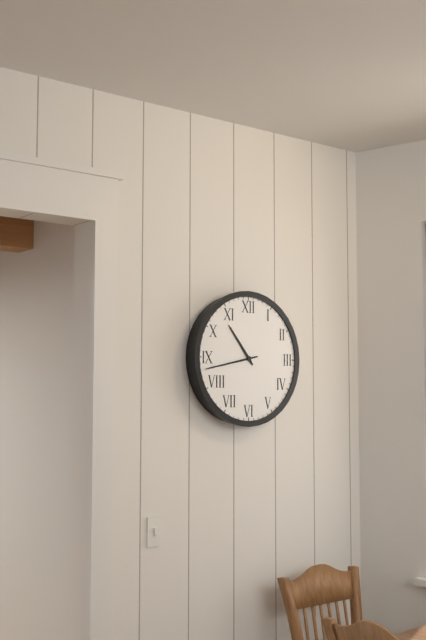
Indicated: 10:43
